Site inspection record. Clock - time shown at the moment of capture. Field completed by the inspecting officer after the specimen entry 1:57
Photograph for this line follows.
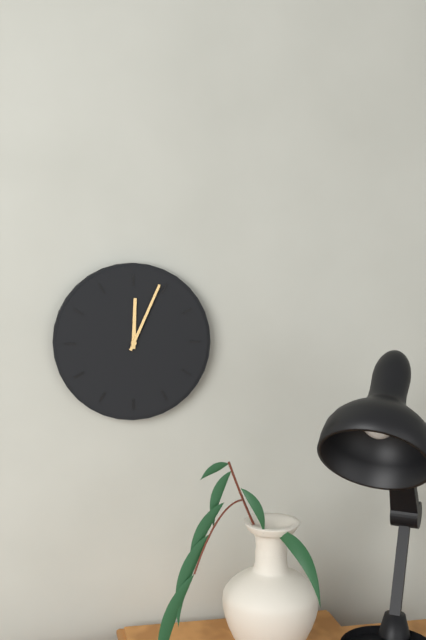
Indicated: 12:04
